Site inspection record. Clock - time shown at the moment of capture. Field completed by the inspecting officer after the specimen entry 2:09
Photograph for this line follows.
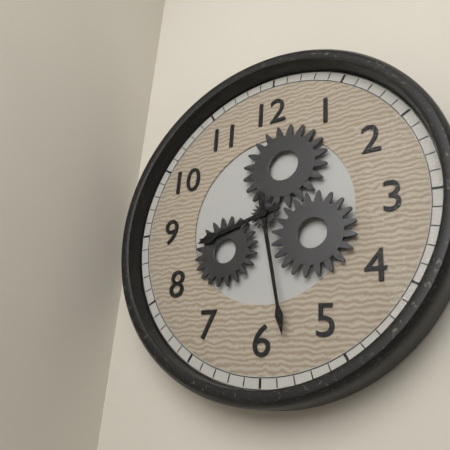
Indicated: 8:28
